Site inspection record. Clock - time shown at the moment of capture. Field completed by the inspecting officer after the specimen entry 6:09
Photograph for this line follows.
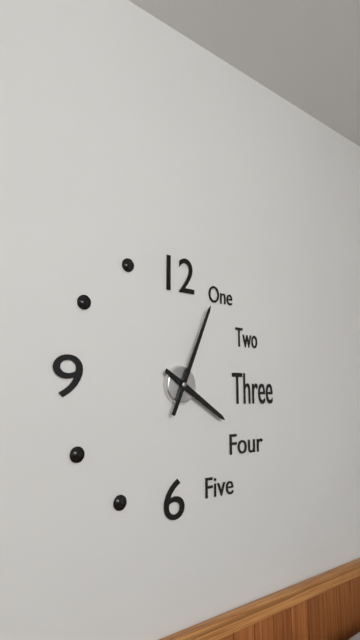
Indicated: 4:04
